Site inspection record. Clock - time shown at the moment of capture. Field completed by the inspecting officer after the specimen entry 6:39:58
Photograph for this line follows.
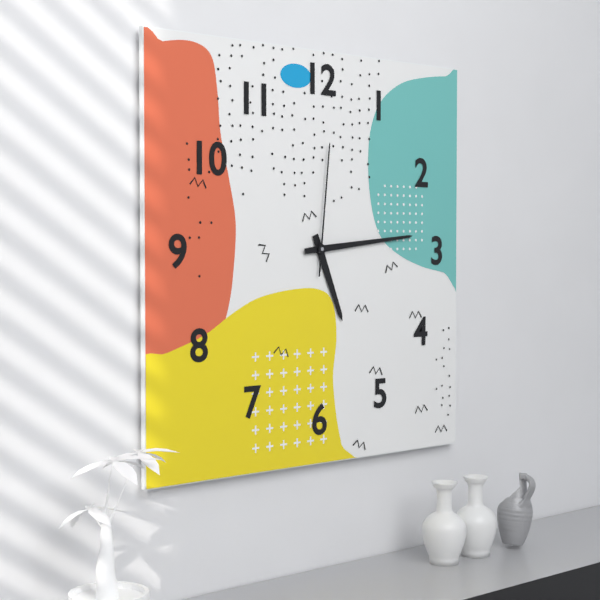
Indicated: 5:14:01
